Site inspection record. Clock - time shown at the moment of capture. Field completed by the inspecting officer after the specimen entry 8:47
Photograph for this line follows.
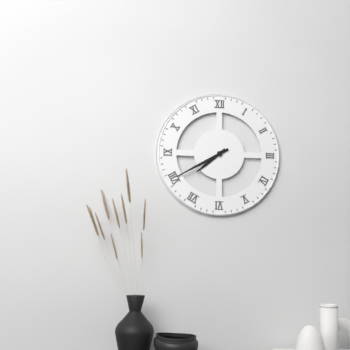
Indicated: 7:40
